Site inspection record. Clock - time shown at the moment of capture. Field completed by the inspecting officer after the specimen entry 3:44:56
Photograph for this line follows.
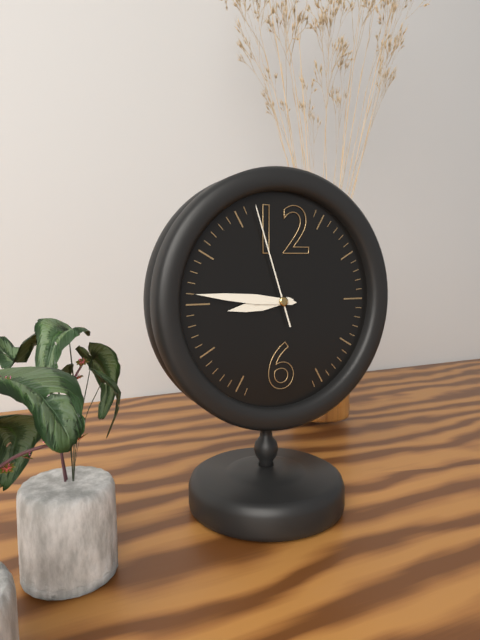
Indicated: 8:46:57
